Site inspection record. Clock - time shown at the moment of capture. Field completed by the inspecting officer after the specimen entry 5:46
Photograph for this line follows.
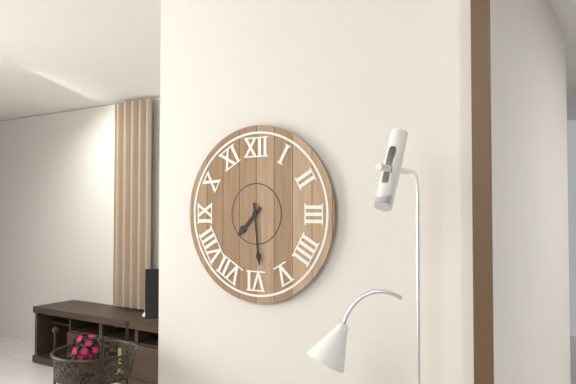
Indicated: 7:29
